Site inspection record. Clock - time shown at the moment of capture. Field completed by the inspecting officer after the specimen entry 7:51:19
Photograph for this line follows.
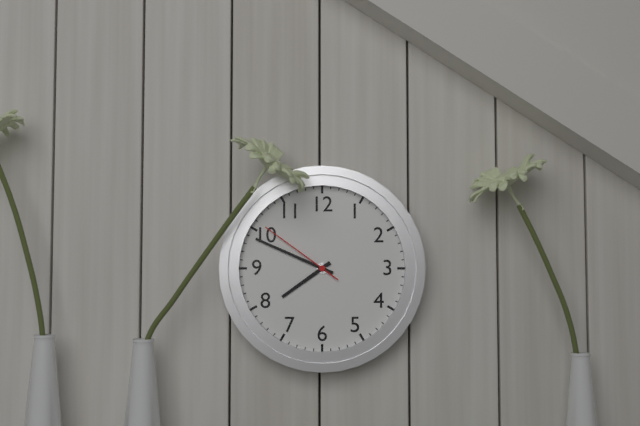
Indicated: 7:49:51
